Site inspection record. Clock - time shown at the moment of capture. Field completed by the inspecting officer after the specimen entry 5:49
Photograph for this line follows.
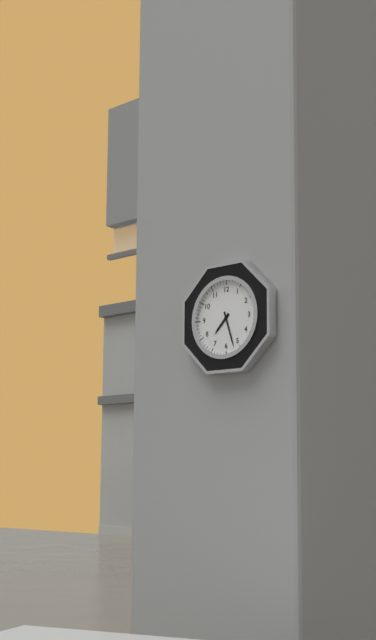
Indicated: 7:27
